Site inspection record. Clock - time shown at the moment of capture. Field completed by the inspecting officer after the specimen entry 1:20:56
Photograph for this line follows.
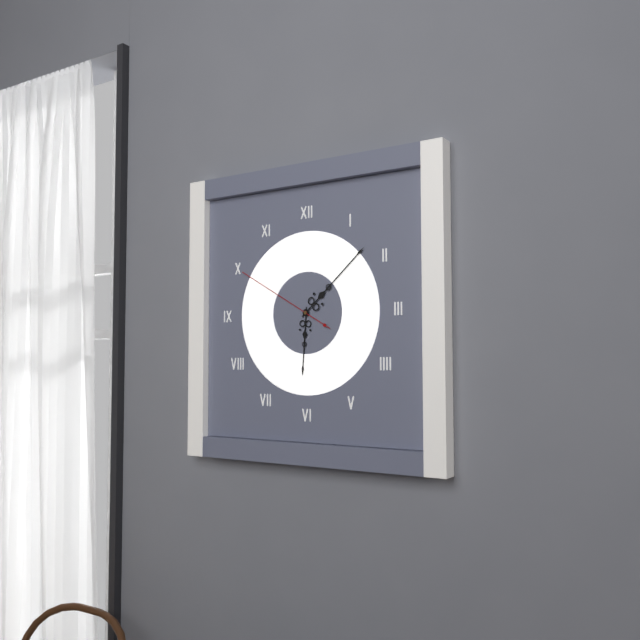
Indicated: 6:08:50
